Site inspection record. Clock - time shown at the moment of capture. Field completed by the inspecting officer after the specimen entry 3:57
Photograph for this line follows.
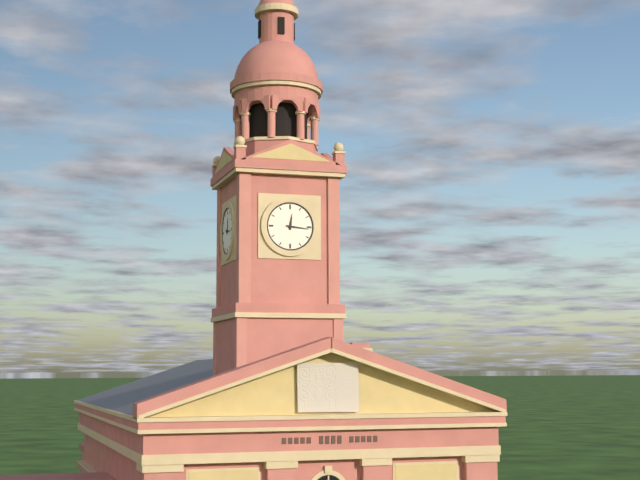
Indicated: 12:16
